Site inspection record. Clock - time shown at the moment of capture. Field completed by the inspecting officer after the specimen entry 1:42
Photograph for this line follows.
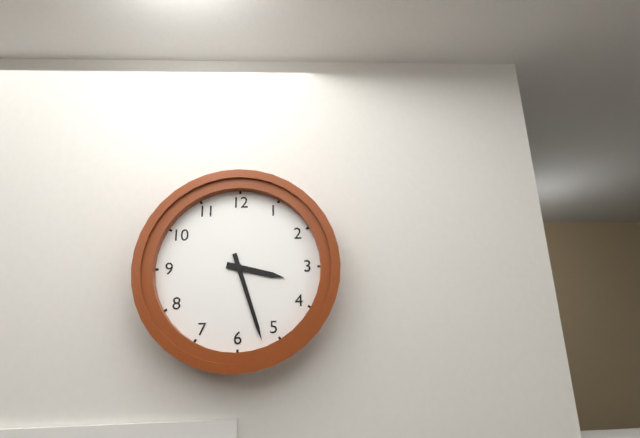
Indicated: 3:27
